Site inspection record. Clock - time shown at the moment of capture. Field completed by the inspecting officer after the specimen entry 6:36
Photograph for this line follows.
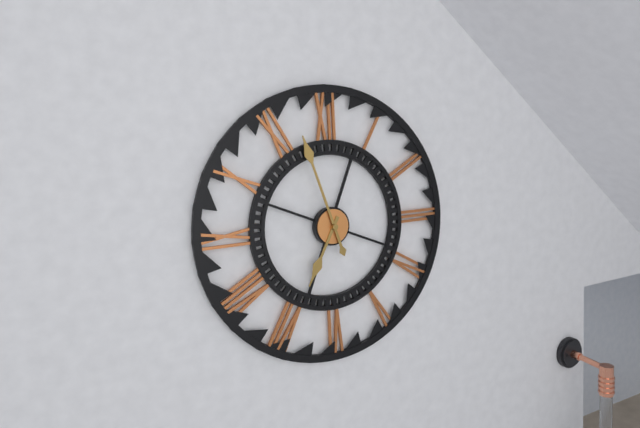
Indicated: 6:57
